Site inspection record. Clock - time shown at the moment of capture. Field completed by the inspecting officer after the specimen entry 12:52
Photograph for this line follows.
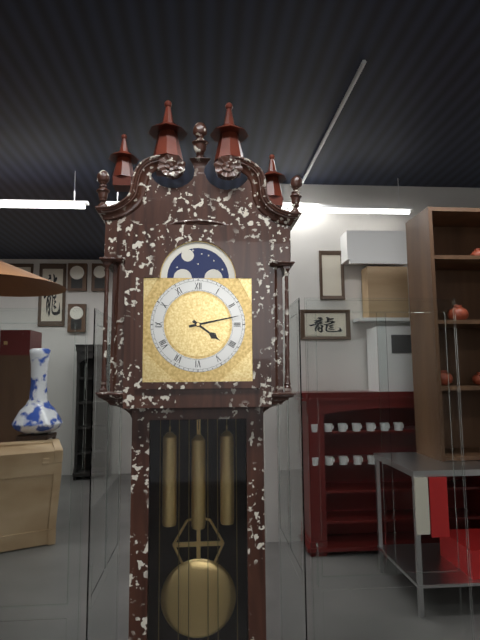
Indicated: 4:13
